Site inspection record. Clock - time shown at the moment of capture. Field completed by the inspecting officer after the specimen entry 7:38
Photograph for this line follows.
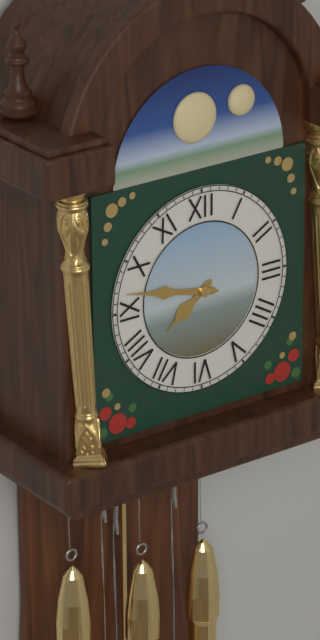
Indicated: 7:47
